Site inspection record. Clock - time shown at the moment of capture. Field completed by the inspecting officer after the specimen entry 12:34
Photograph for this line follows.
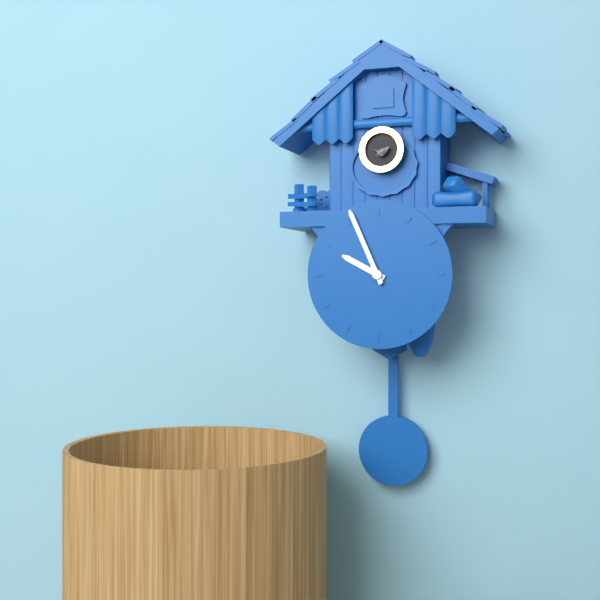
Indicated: 9:56
